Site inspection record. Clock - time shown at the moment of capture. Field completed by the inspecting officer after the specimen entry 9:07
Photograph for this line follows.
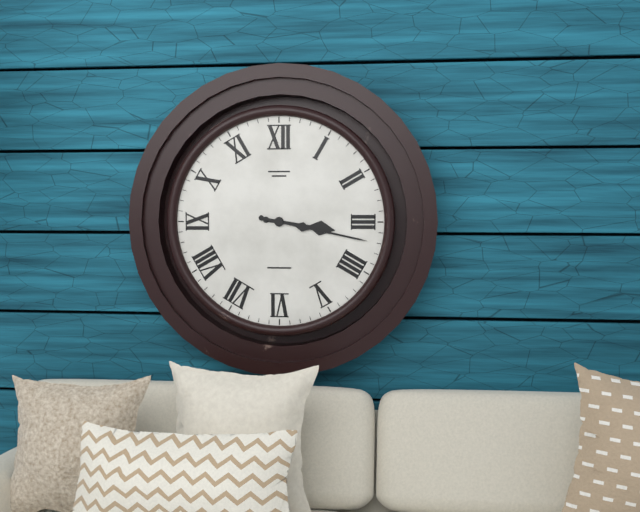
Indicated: 3:17
